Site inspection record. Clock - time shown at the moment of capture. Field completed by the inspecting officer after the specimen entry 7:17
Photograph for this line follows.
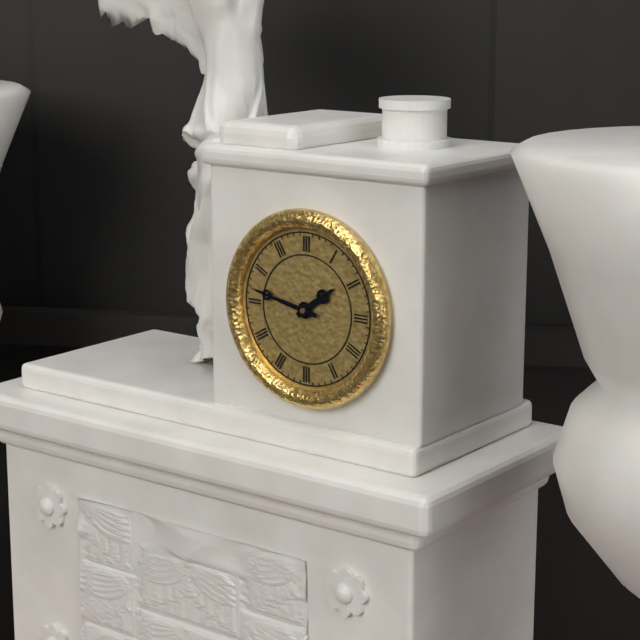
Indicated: 1:47
